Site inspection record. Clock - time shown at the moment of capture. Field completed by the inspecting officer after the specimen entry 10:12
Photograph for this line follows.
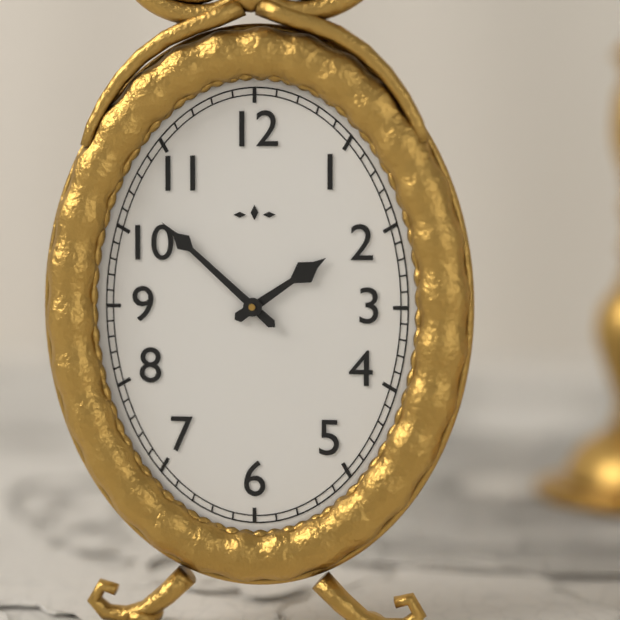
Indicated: 1:52
